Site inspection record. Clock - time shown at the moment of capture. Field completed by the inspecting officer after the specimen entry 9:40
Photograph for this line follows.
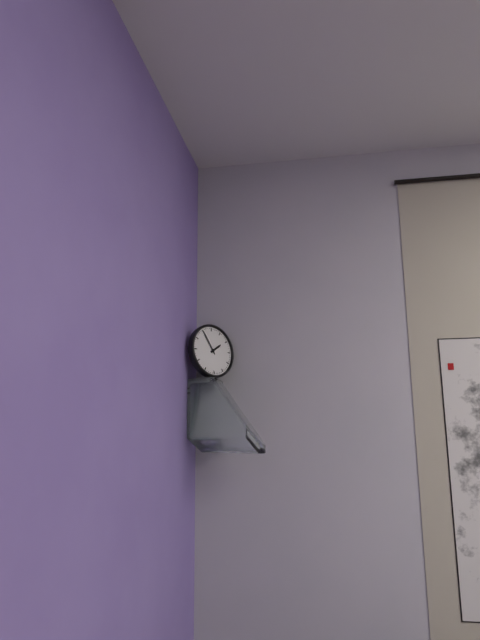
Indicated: 1:55
